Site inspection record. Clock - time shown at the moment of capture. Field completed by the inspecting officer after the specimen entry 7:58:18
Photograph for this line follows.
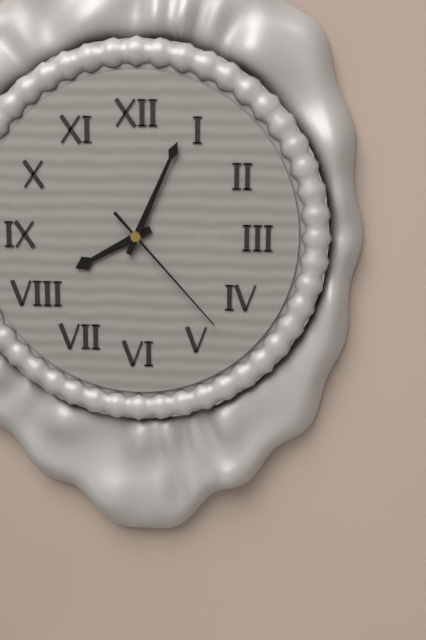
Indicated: 8:04:23
